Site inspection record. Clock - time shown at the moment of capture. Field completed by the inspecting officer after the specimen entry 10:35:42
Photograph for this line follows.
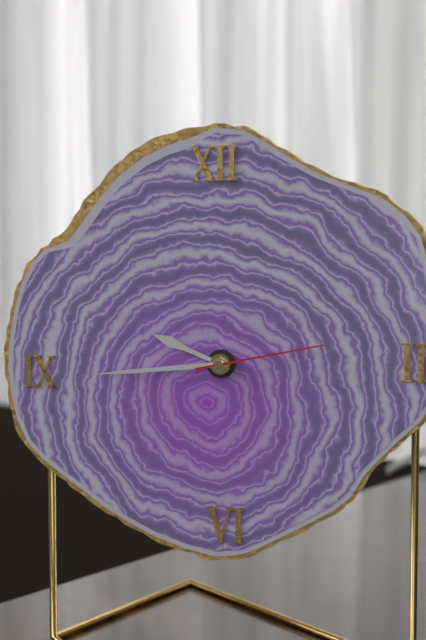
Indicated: 9:44:13
